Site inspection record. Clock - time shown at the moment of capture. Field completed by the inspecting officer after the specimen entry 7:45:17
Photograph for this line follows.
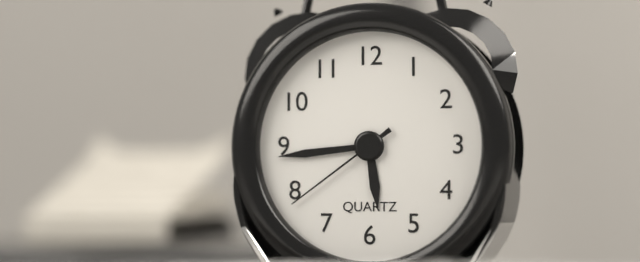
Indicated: 5:44:39
